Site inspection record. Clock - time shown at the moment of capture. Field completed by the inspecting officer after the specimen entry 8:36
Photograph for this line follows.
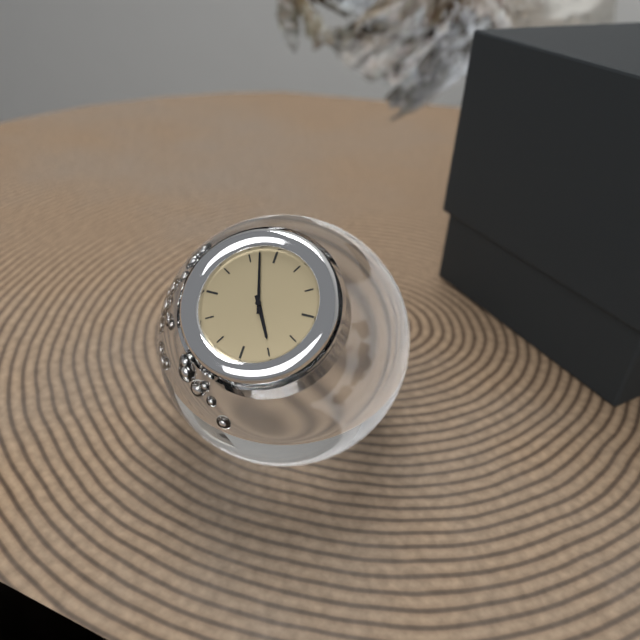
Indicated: 4:57
